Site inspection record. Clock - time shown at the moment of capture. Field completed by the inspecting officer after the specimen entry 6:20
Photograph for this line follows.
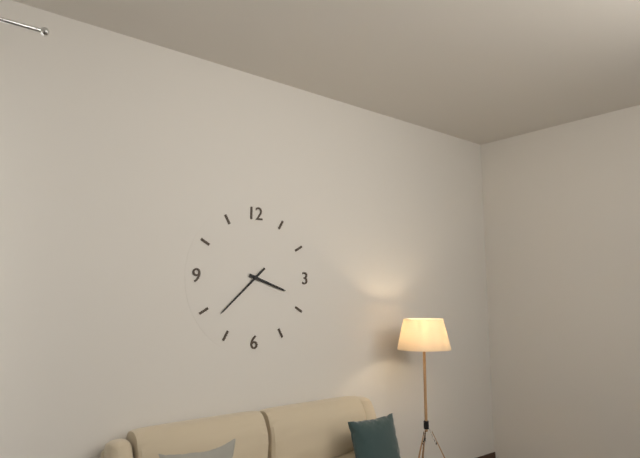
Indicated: 3:38
